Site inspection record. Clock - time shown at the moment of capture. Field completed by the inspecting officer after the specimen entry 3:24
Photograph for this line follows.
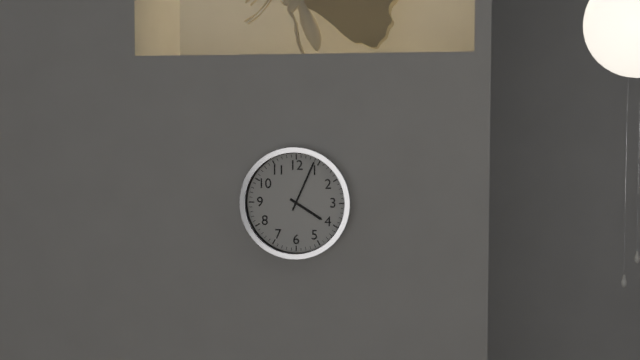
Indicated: 4:04
